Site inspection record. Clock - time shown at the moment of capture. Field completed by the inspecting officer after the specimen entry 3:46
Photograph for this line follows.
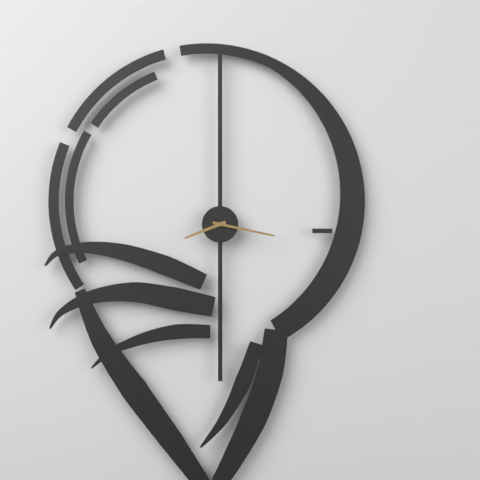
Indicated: 8:17
